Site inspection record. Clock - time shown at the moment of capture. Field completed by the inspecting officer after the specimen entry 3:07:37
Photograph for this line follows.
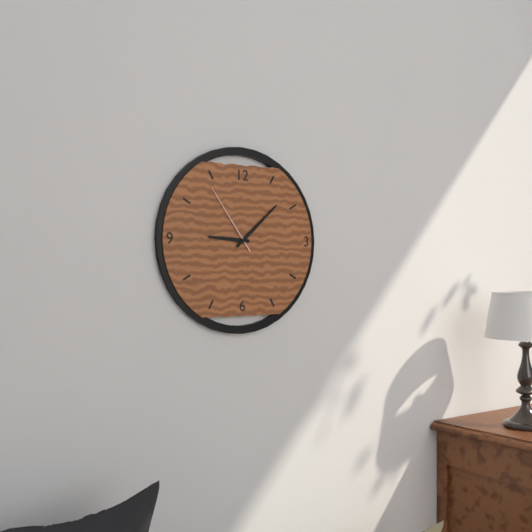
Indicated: 9:08:54
